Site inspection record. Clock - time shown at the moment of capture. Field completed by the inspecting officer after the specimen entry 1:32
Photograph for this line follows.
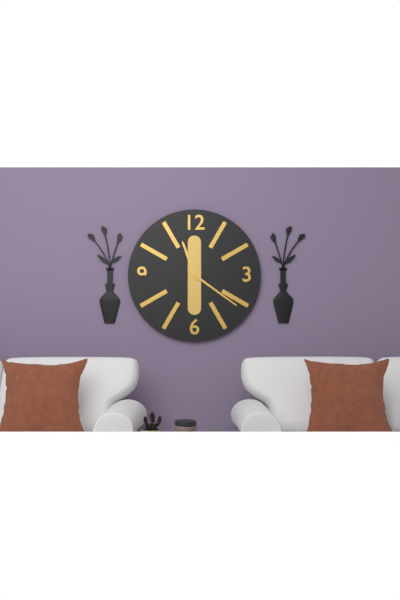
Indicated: 11:21
